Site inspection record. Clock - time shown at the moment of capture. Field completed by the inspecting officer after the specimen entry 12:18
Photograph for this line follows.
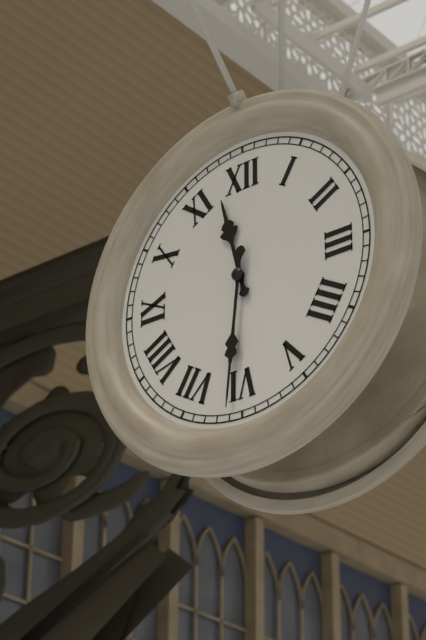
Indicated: 11:31
